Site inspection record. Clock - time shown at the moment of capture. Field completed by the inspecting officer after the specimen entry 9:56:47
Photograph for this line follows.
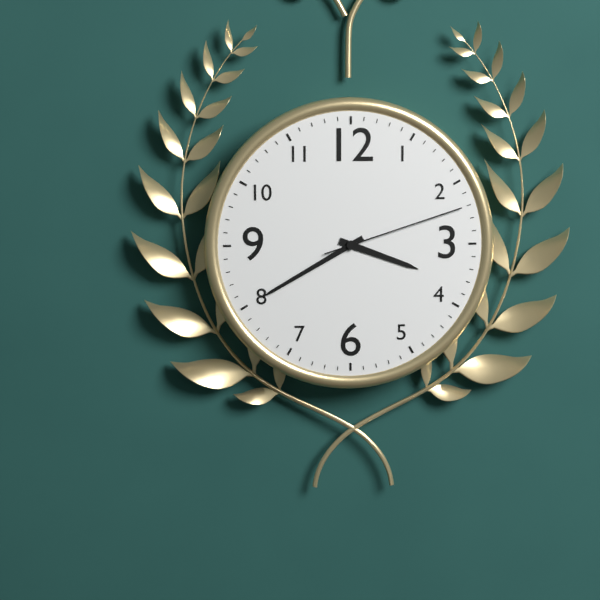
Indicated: 3:40:12
